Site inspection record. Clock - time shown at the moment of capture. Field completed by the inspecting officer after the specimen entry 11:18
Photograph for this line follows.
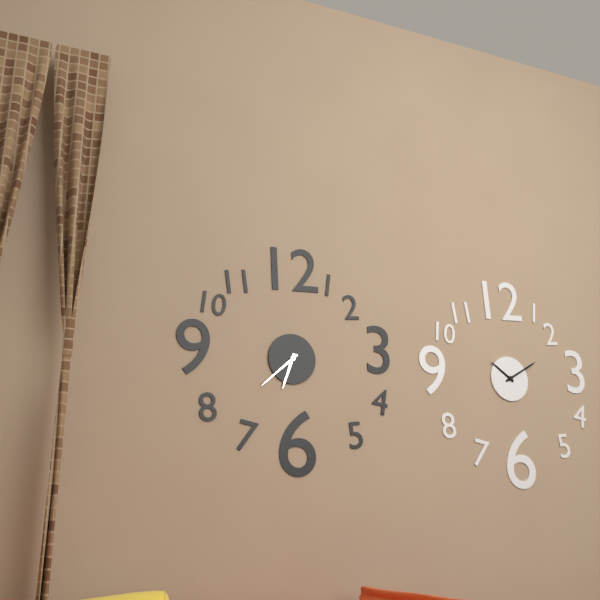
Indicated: 6:38
